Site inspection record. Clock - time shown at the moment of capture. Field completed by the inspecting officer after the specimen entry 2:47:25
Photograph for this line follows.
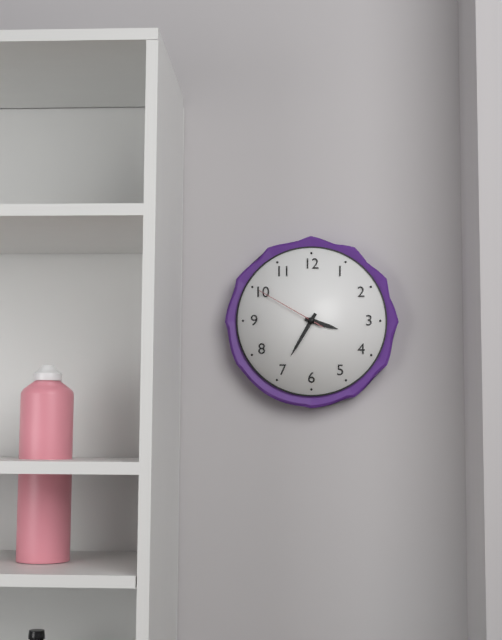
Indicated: 3:35:50
